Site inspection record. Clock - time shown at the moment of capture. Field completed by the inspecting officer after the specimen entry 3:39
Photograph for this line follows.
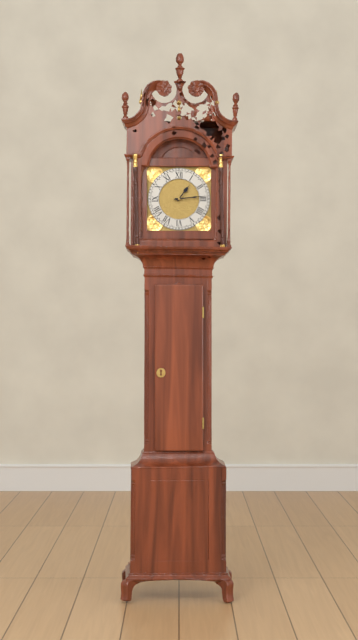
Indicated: 1:14
